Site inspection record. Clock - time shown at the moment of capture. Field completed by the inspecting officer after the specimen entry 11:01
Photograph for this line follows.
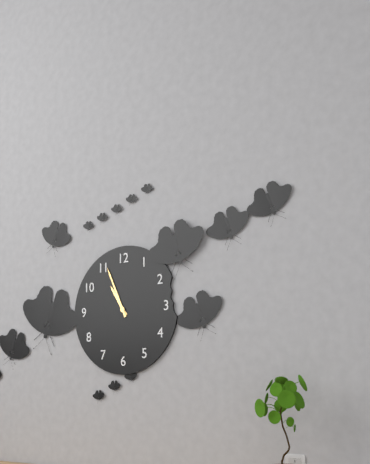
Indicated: 10:56
